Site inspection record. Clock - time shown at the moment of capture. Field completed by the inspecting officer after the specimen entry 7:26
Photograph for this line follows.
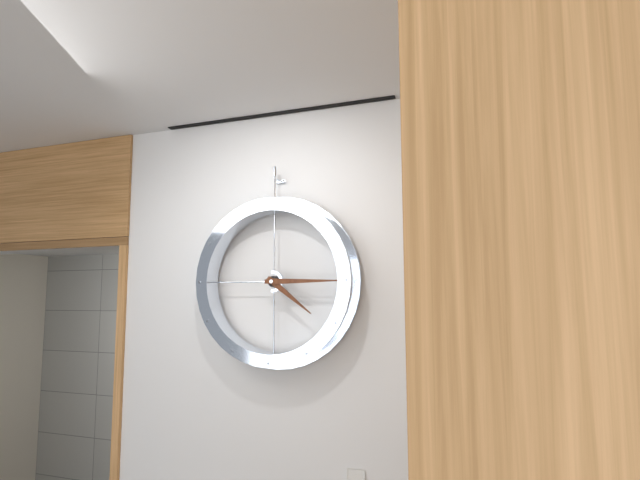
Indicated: 4:15
